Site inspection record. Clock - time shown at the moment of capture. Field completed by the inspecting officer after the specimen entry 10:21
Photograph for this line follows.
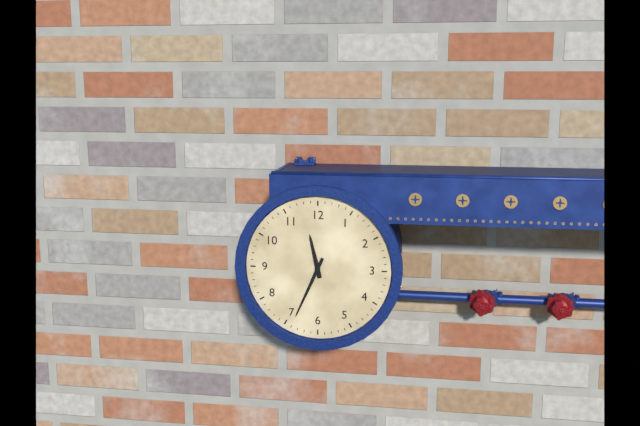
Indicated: 11:34
